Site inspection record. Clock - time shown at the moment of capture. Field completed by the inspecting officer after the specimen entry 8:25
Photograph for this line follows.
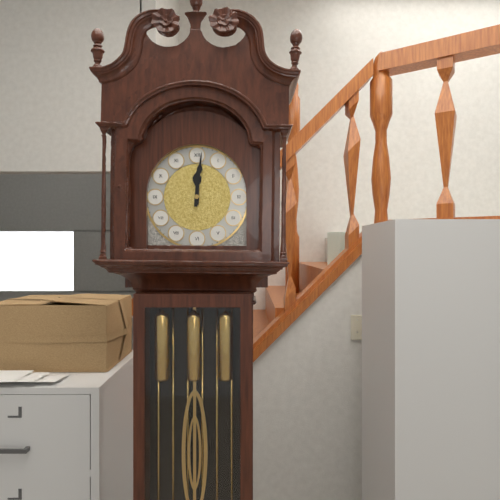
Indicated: 12:01
